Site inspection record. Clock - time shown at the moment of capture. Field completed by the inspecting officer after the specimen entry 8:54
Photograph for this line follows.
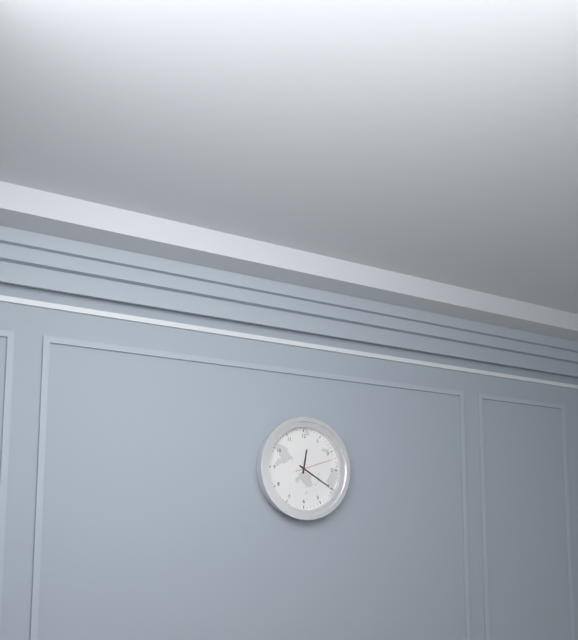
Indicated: 12:20
